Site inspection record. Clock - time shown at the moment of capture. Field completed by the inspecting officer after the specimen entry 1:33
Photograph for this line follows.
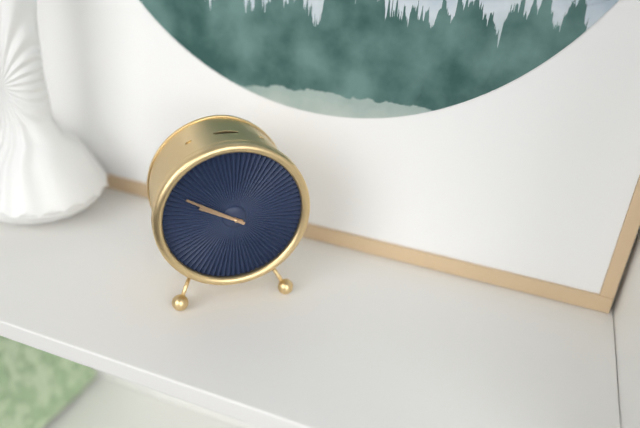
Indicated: 9:50
